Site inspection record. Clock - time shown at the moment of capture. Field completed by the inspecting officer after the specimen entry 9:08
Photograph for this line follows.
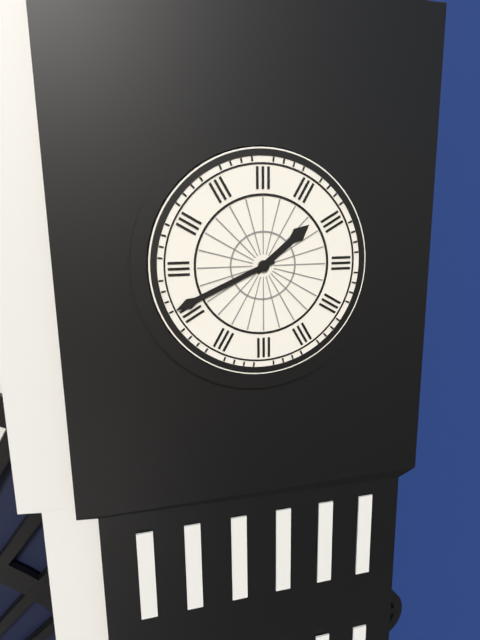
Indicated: 1:41
